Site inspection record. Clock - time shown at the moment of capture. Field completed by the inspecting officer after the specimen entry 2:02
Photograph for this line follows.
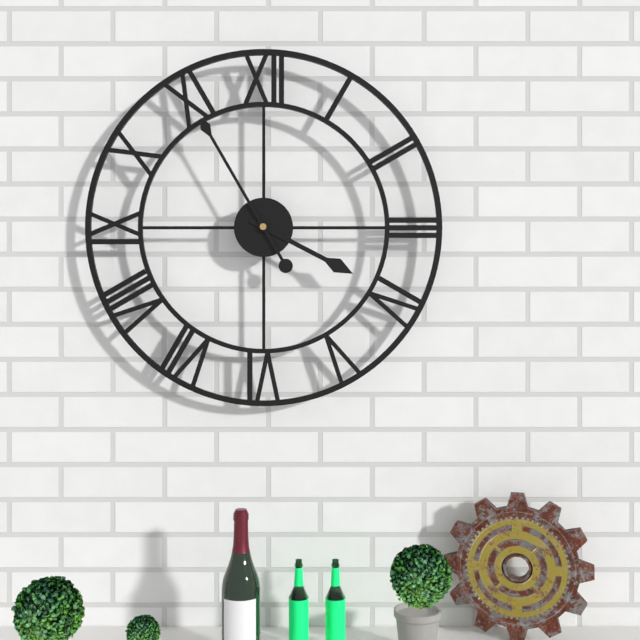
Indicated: 3:55
